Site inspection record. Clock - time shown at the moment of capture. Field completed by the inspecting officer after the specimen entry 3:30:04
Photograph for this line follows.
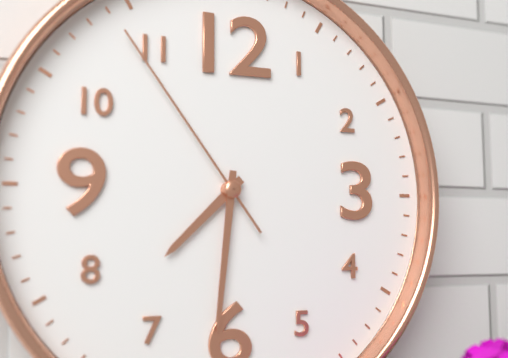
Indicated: 7:31:54
